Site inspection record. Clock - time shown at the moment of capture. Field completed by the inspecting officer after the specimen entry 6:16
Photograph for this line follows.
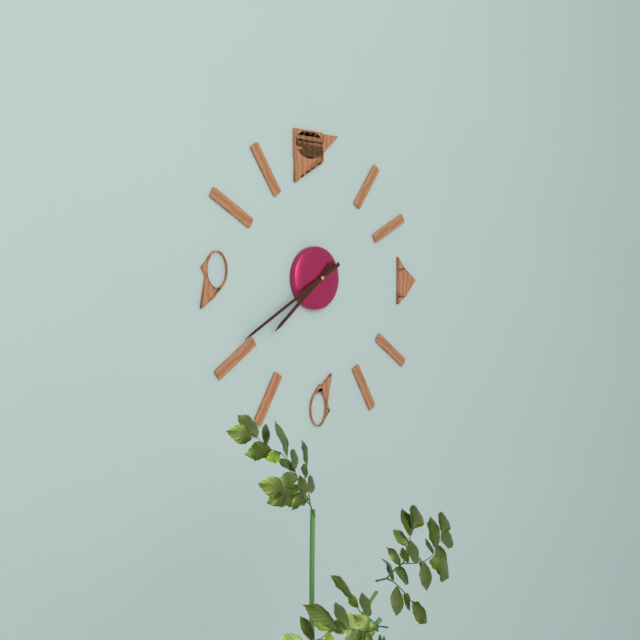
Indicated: 7:40
